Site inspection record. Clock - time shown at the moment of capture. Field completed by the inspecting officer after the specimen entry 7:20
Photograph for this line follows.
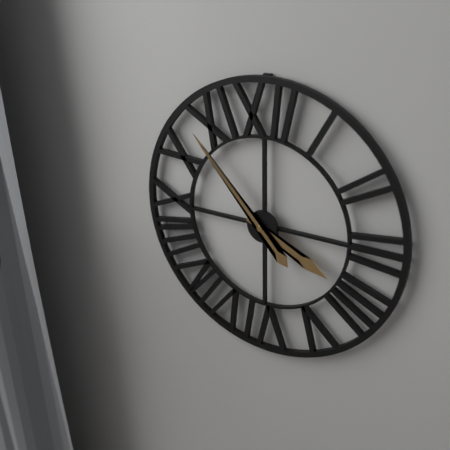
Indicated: 3:53
